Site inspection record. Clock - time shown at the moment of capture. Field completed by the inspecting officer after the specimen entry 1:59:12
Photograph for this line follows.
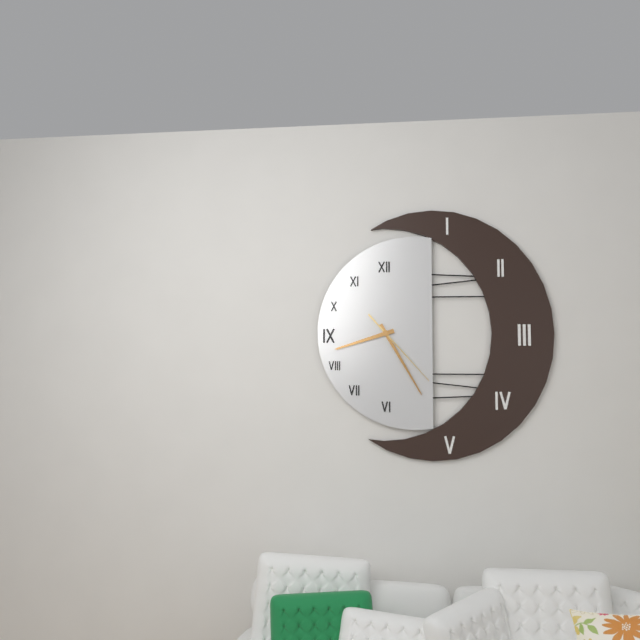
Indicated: 8:25:23
